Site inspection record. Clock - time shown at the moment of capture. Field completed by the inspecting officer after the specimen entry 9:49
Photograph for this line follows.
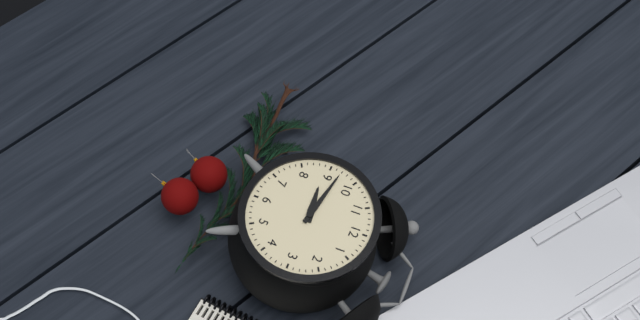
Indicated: 8:47
